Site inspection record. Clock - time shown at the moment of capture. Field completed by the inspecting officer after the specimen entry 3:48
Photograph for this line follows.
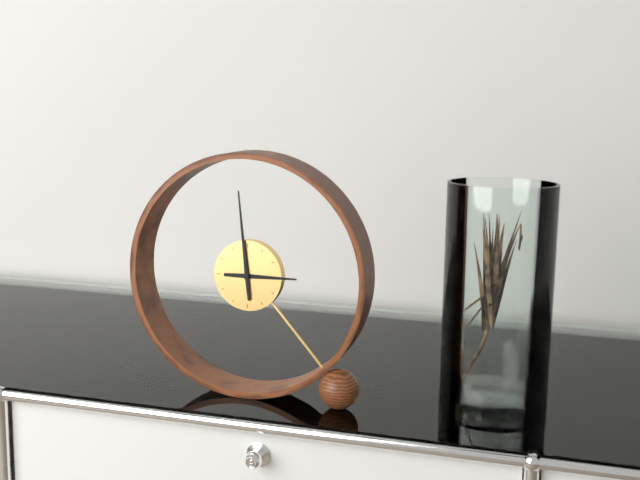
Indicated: 2:59
